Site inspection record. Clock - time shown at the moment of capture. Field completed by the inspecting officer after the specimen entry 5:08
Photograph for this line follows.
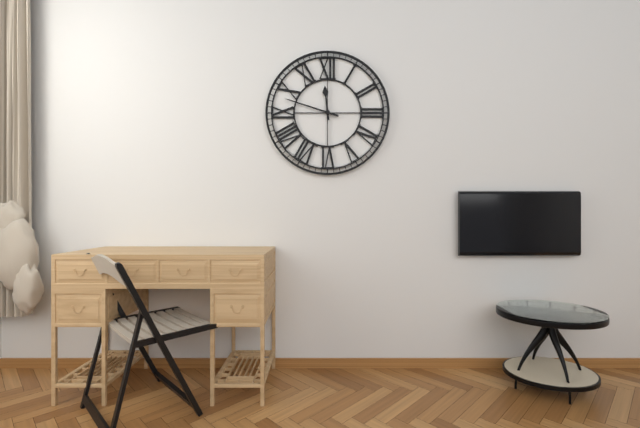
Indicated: 11:48
